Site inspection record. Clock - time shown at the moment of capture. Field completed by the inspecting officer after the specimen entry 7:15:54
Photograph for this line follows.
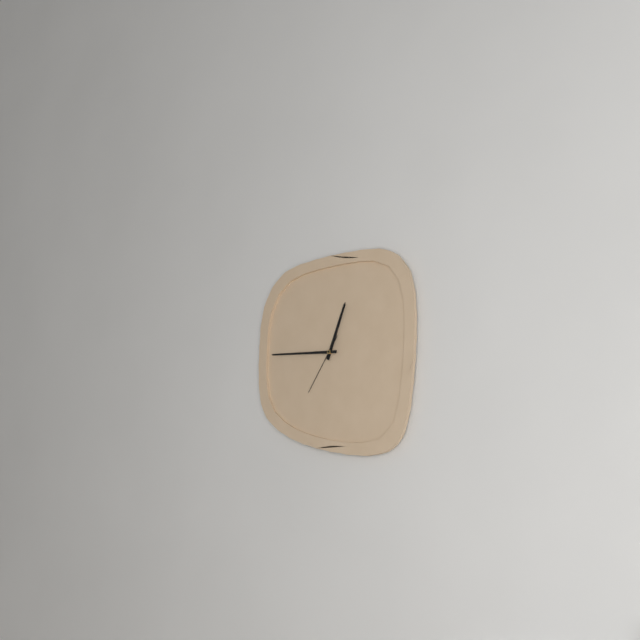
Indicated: 12:46:36
